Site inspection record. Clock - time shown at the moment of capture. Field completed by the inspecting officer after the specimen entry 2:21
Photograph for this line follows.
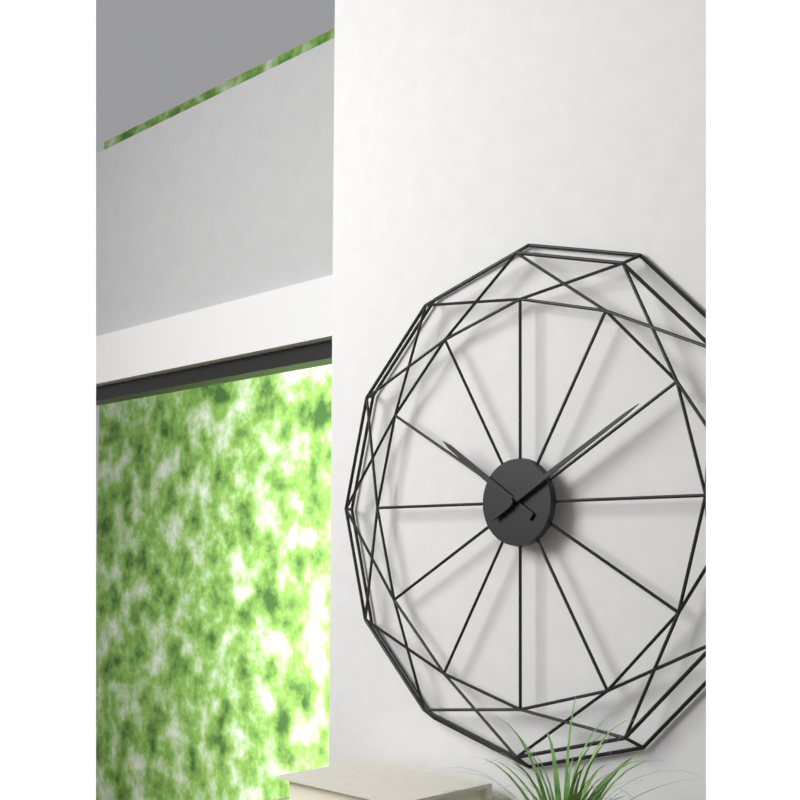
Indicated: 10:10
